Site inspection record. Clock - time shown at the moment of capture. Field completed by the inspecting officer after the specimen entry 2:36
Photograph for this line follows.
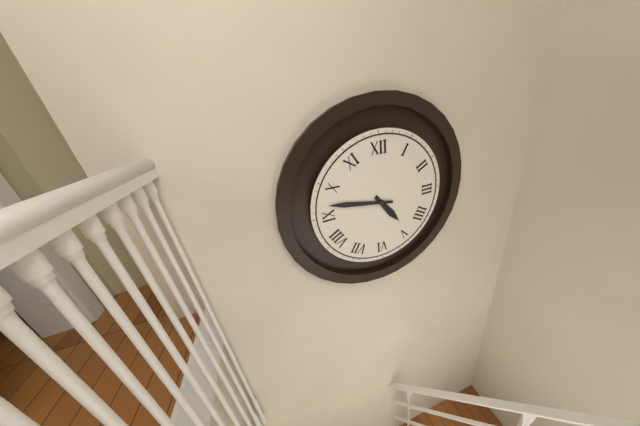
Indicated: 4:47
